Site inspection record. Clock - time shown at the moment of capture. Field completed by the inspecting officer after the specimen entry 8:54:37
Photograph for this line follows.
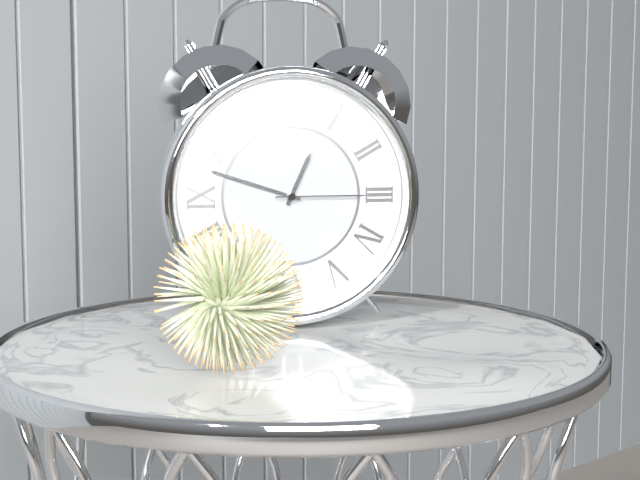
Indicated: 12:48:15
